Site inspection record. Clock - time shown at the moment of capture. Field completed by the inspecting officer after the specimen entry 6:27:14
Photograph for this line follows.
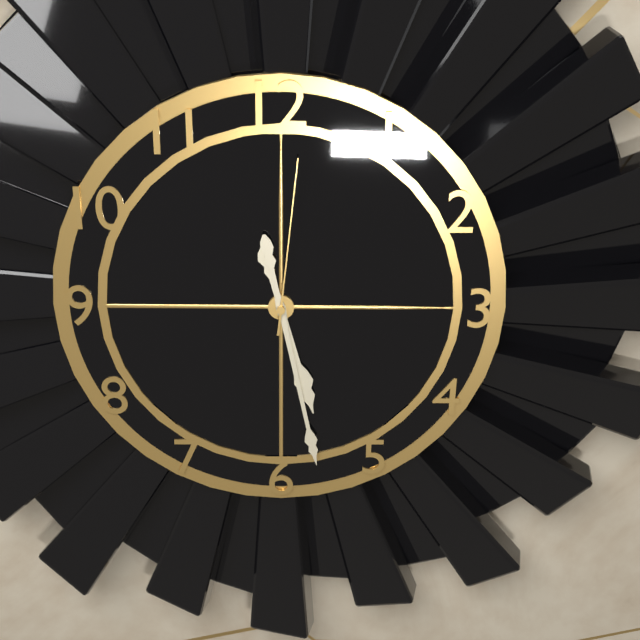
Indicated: 5:28:01
